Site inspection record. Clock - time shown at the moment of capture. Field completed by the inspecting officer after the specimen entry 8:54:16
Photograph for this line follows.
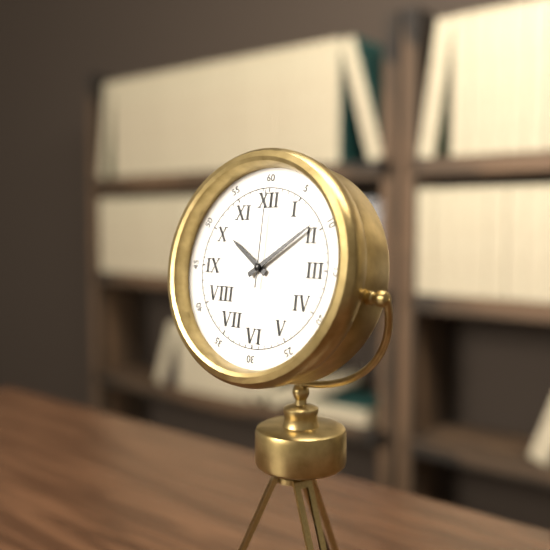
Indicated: 10:09:00
